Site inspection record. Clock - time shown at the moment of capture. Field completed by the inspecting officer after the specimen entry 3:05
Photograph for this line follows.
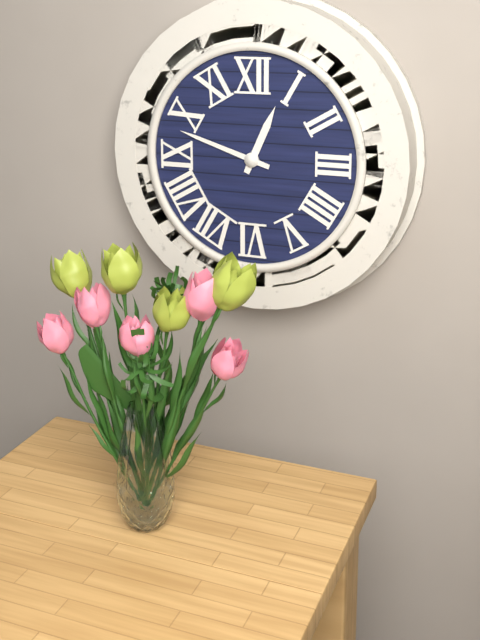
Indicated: 12:48
